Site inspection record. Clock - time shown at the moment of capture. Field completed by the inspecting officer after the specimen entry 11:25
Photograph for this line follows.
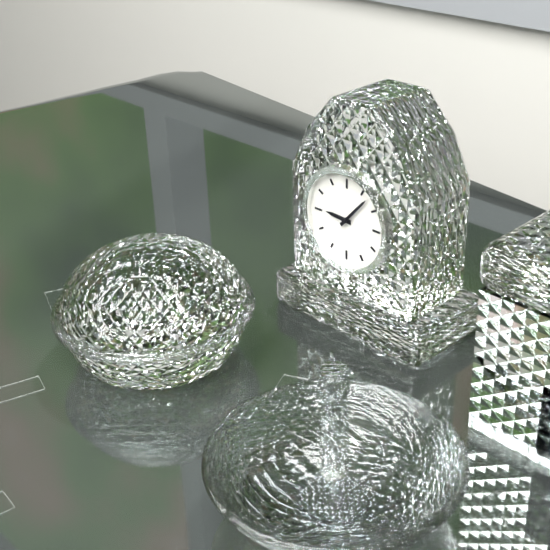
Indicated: 9:07
